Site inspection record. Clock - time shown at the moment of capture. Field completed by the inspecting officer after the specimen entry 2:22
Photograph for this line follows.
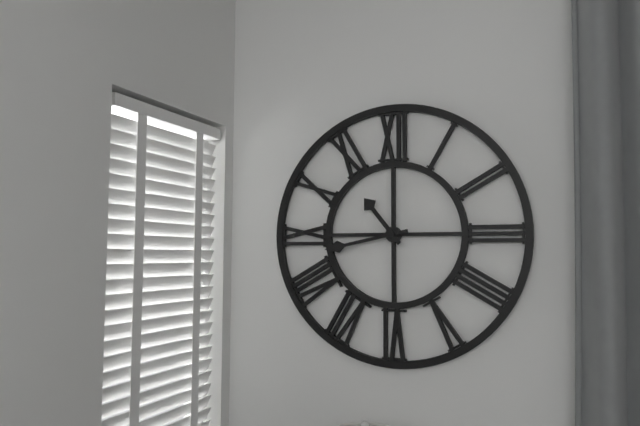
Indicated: 10:43
